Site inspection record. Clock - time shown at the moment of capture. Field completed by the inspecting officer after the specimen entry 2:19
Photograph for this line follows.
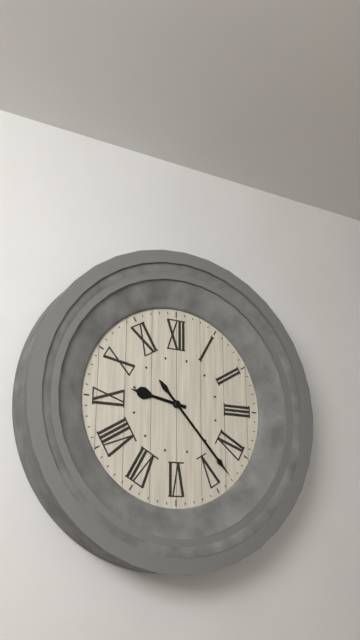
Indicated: 9:23
